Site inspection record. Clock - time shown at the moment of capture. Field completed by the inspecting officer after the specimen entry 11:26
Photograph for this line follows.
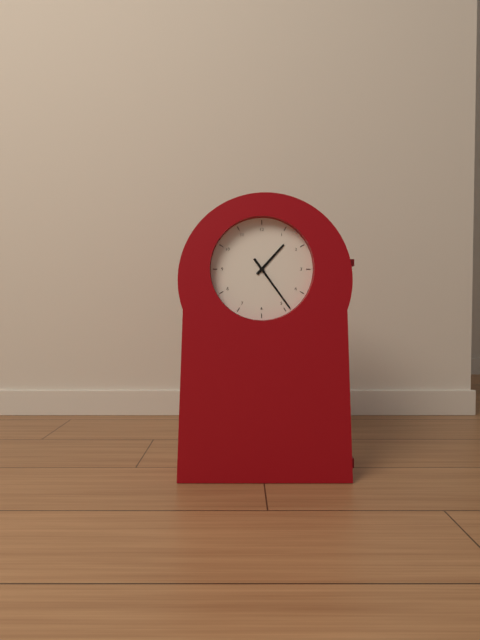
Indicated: 1:24
